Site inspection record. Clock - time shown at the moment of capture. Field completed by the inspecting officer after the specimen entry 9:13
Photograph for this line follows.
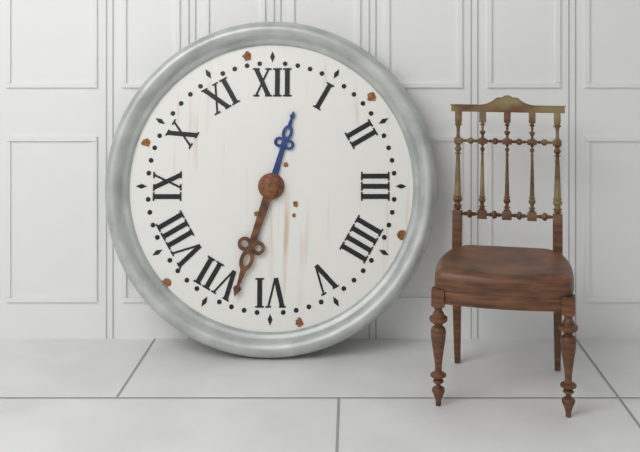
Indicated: 12:33
